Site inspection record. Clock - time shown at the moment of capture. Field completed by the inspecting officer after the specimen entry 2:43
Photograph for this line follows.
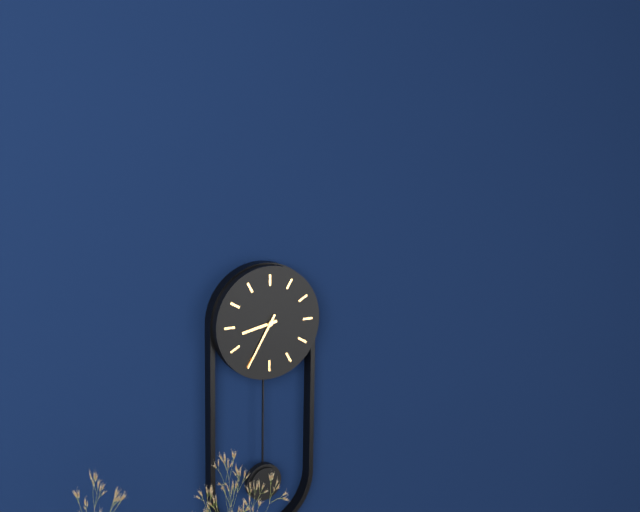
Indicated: 8:35
